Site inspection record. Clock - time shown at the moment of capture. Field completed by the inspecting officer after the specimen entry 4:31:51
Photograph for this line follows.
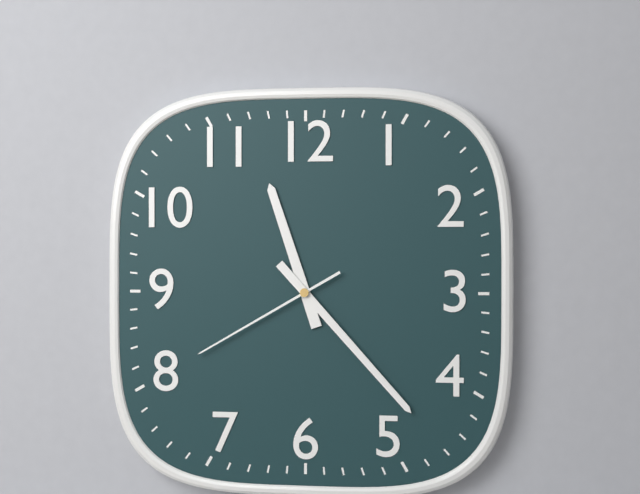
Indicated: 11:23:40
